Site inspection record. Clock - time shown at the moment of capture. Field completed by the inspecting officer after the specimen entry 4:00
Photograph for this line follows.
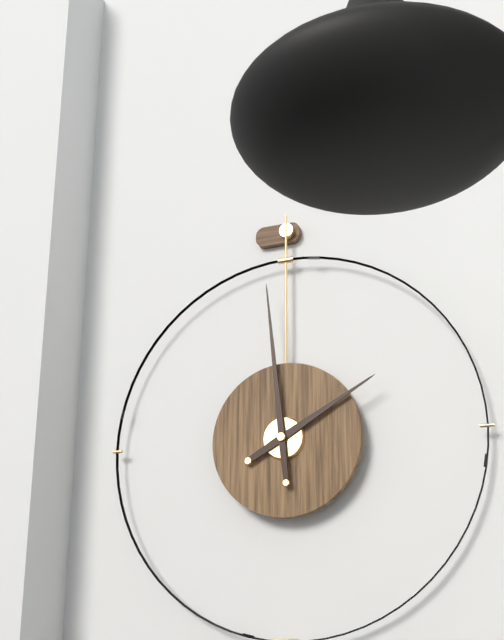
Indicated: 1:59
